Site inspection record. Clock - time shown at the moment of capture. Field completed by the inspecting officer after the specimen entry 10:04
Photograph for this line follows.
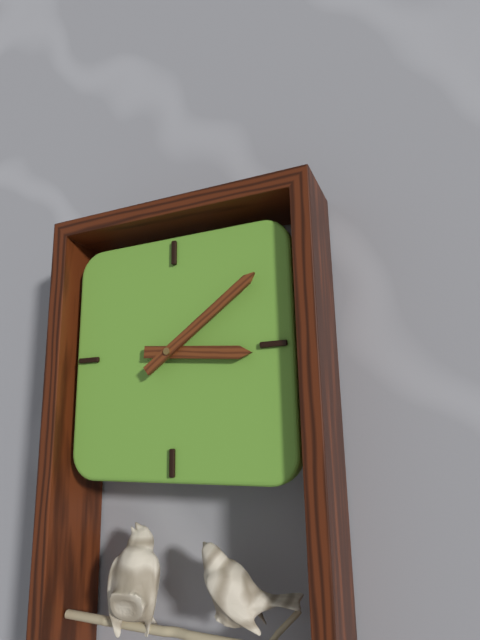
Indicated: 3:09
